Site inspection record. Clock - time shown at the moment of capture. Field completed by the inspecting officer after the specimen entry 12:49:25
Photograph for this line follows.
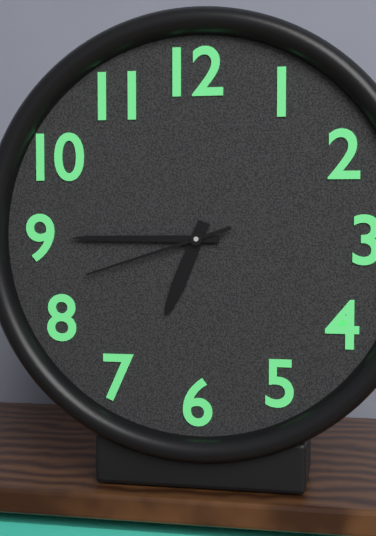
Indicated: 6:45:42
